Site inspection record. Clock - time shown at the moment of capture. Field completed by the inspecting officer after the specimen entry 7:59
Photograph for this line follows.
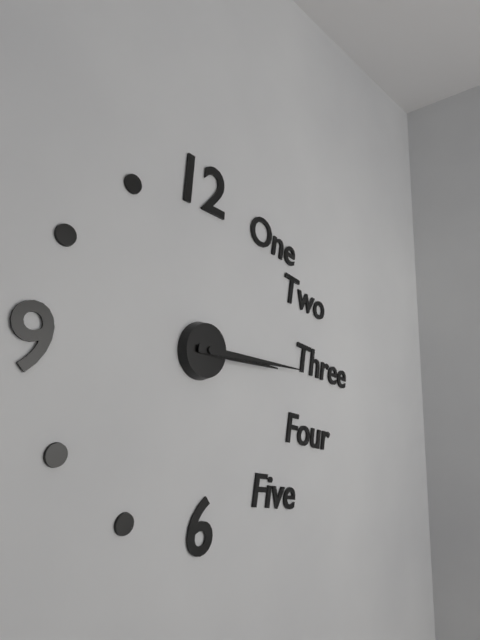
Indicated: 3:16
